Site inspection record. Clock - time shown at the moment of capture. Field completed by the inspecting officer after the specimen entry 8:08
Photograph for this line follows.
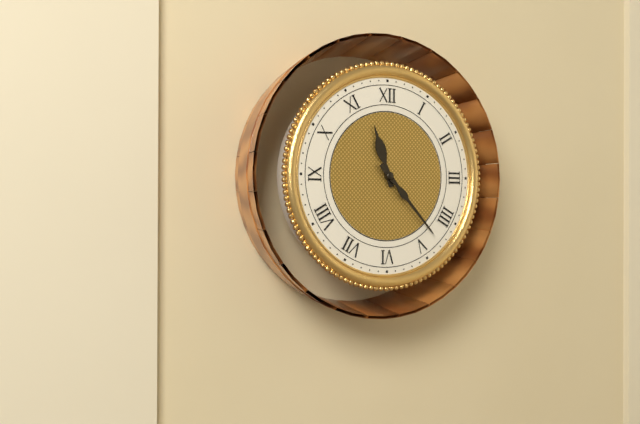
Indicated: 11:23
